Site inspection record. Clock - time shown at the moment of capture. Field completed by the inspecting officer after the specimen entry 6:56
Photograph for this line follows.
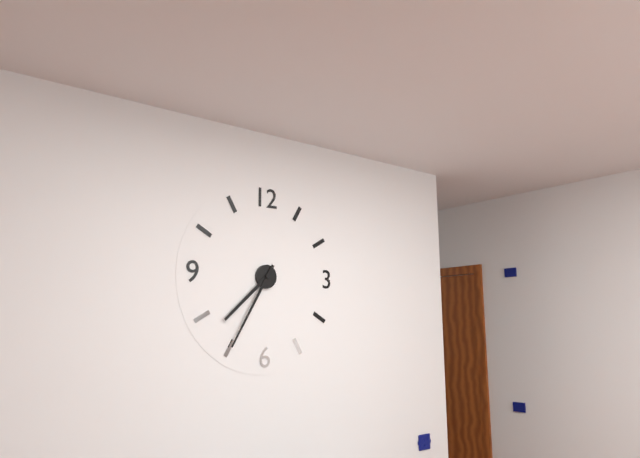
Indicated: 7:35
